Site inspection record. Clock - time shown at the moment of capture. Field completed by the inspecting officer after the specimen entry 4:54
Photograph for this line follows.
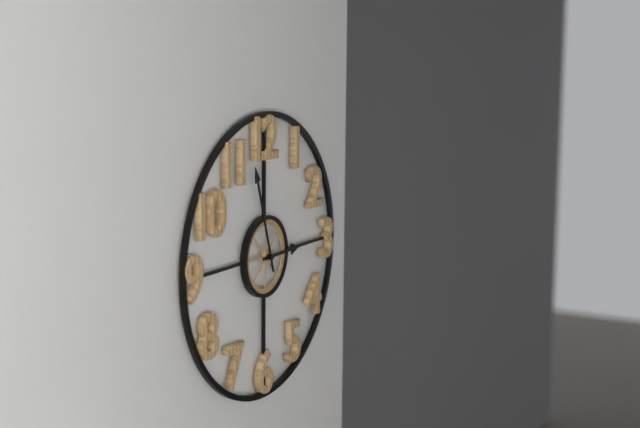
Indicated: 2:57
